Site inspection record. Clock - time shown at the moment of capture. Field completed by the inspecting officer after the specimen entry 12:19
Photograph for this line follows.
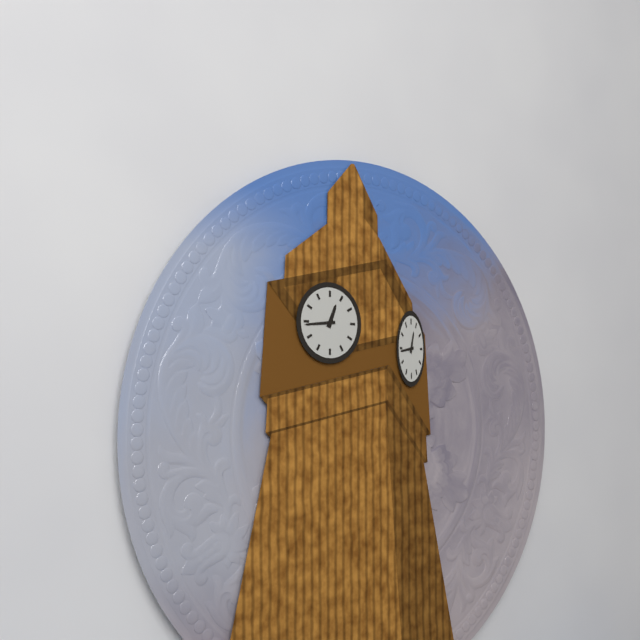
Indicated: 12:44
